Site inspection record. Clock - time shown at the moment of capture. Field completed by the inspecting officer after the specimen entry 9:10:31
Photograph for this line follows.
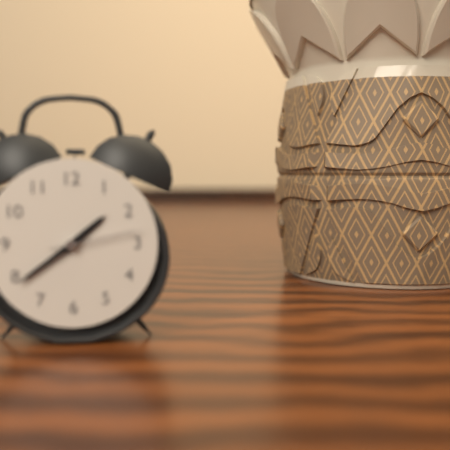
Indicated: 1:39:13
